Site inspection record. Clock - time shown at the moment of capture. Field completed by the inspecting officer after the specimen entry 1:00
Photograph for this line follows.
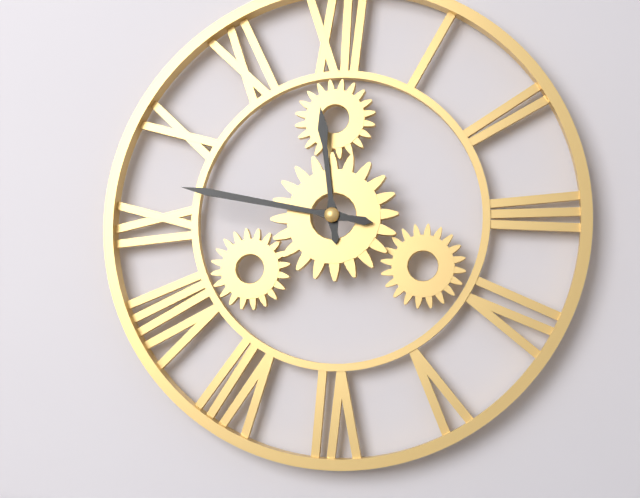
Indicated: 11:47
